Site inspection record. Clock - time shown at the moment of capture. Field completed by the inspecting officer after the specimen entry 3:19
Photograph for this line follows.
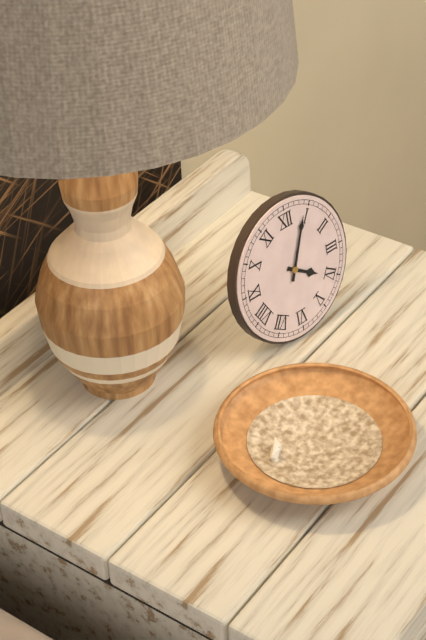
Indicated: 4:04
